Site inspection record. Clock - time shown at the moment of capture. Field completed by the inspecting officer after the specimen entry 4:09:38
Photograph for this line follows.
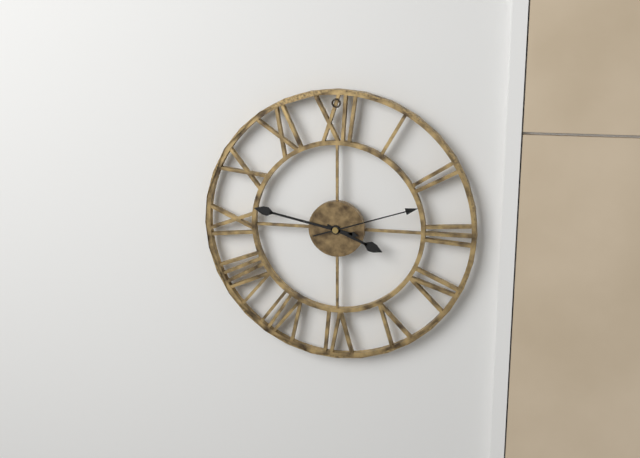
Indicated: 3:47:12
